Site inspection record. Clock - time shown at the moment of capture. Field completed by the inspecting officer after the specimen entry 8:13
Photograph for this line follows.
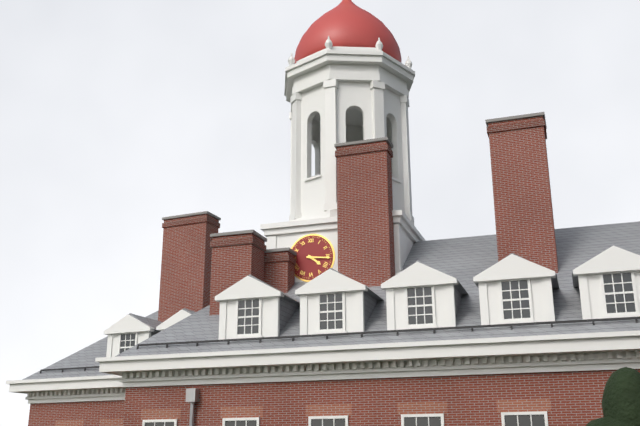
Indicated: 4:16
